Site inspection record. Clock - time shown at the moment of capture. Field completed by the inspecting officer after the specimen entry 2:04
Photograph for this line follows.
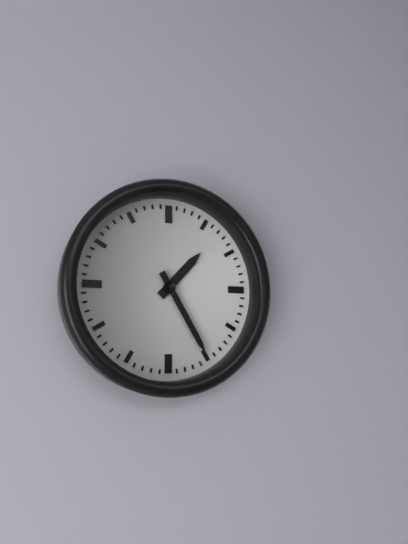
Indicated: 1:25
